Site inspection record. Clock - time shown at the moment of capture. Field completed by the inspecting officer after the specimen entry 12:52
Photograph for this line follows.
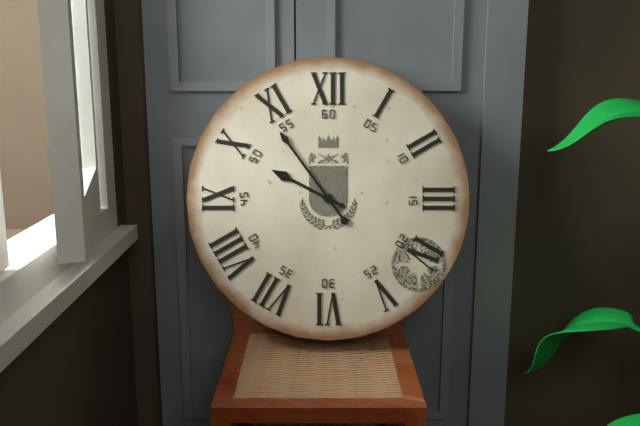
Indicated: 9:54
